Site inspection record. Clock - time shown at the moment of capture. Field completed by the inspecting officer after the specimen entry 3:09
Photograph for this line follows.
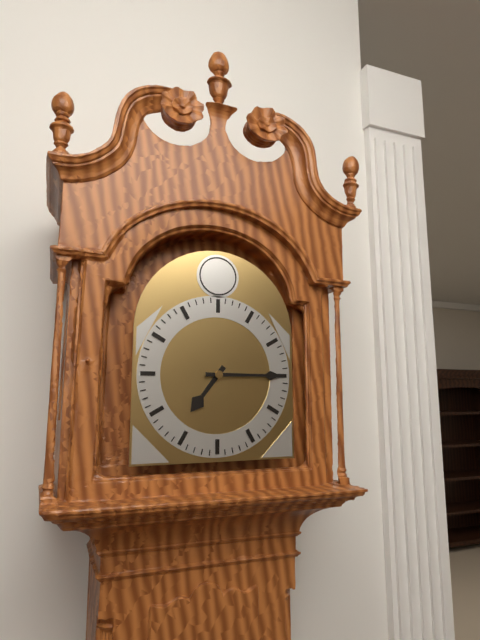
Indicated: 7:15
